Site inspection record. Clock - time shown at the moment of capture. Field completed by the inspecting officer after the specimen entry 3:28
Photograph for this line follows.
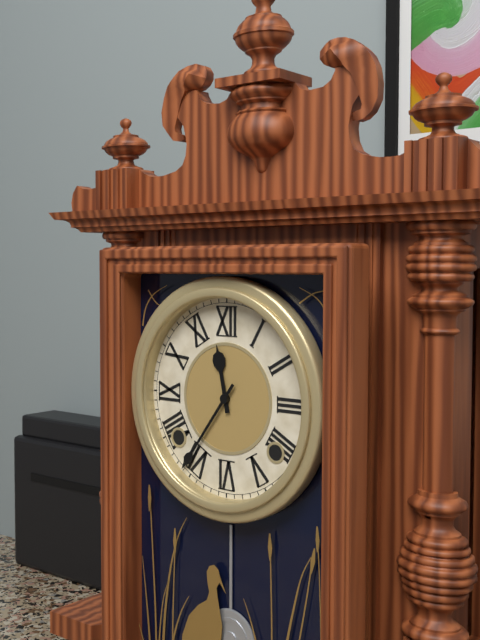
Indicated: 11:36
